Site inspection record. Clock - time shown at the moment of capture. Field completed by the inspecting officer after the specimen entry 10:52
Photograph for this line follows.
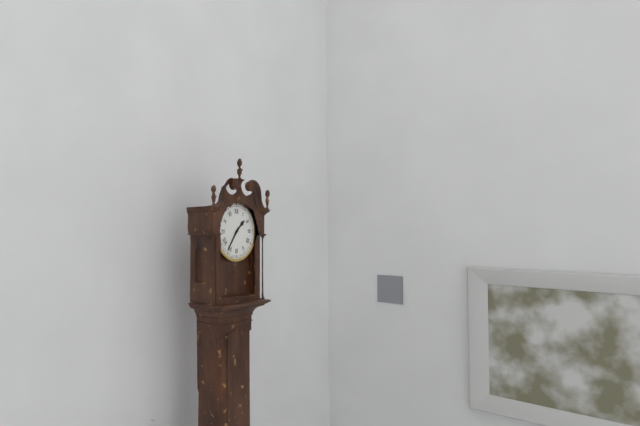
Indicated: 1:36
